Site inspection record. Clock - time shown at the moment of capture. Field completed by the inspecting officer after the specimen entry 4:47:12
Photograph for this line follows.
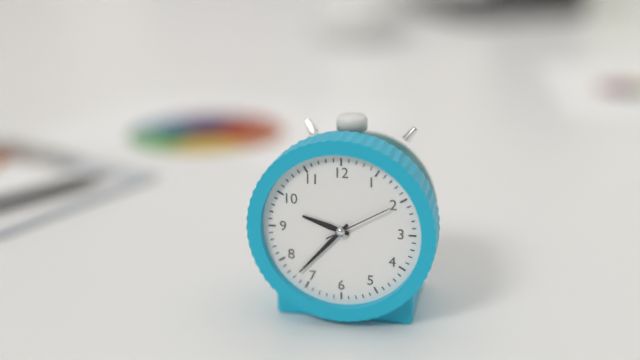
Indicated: 9:37:10
